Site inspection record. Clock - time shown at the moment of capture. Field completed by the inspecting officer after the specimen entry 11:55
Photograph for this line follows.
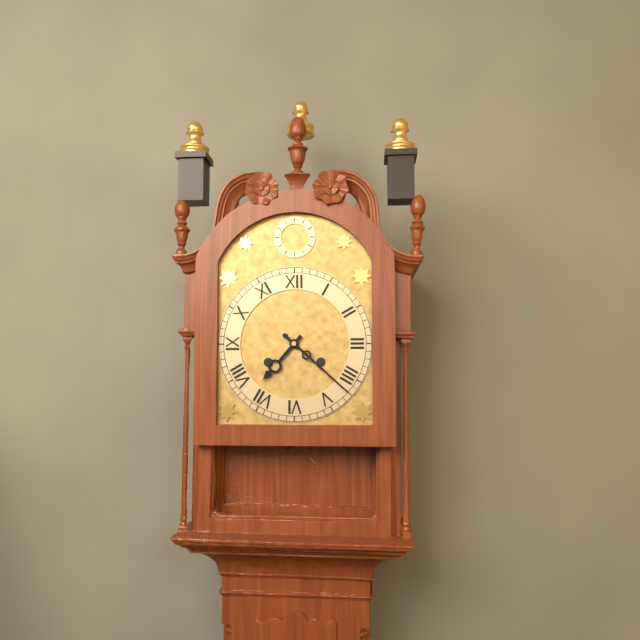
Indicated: 7:22
